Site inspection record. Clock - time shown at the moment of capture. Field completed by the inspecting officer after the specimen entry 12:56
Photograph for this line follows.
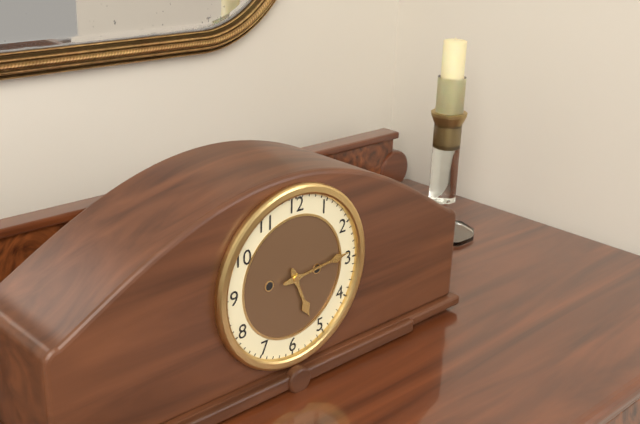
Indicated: 5:14
